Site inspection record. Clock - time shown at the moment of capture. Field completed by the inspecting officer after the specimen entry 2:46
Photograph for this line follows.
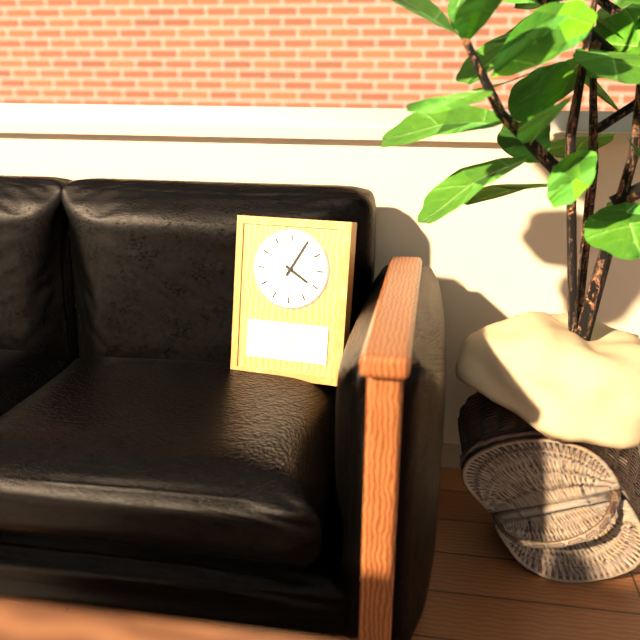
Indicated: 4:05
